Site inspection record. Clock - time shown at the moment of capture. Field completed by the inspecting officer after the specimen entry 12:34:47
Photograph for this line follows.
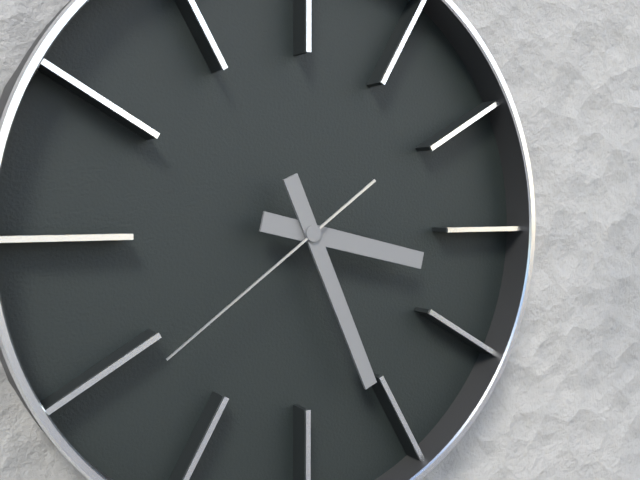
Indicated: 3:26:39
